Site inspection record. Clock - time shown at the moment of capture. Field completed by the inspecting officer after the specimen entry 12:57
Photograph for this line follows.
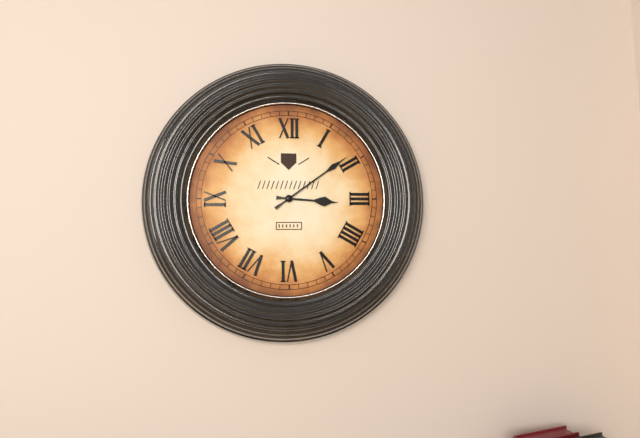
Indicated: 3:09
